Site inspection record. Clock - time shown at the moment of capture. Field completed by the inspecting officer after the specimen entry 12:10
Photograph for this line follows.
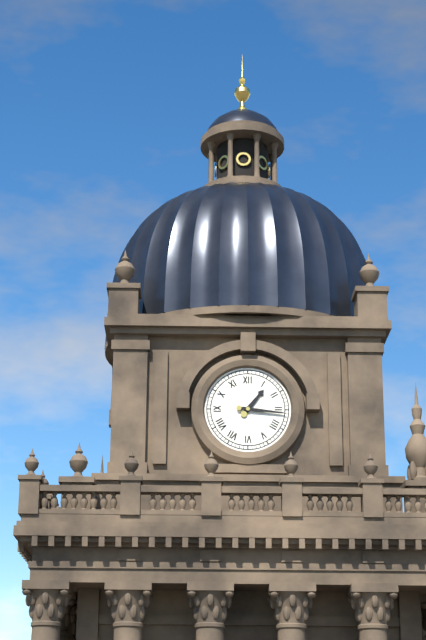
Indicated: 1:16
